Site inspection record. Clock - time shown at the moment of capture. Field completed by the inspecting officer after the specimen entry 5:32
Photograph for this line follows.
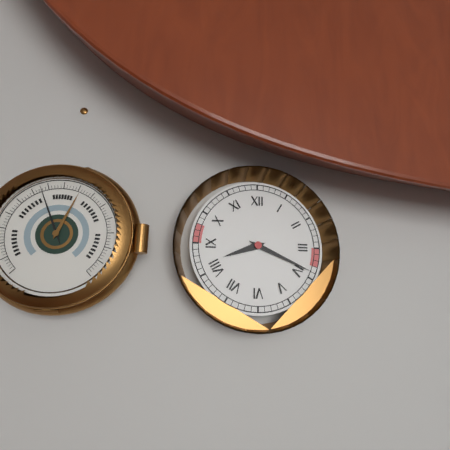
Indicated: 8:19
